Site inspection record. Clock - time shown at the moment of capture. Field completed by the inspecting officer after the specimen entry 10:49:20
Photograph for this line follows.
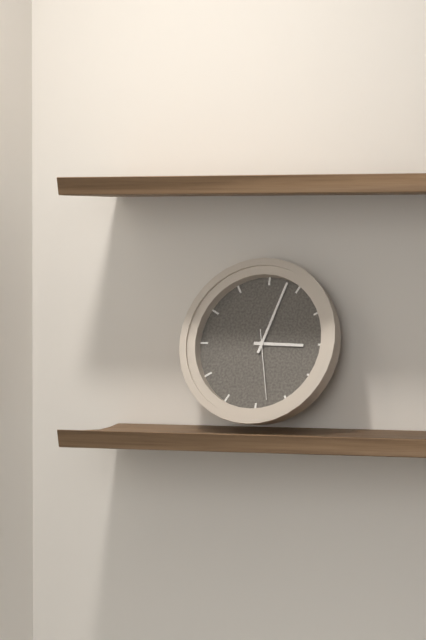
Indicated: 3:03:28
